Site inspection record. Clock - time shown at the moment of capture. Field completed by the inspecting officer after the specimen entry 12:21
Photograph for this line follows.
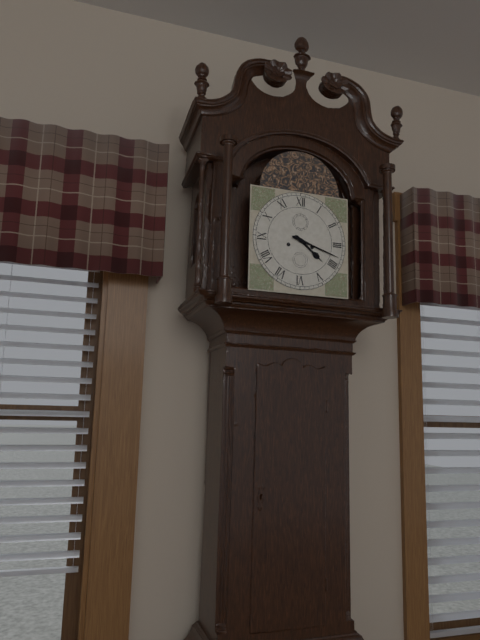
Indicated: 4:18
